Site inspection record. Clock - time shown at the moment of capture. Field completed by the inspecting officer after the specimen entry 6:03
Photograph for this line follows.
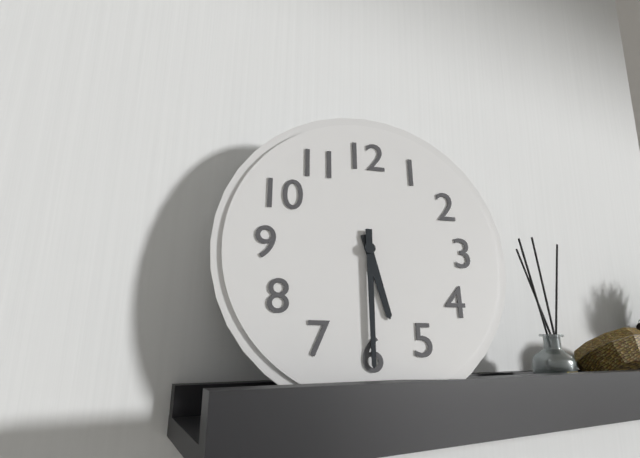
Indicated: 5:30
